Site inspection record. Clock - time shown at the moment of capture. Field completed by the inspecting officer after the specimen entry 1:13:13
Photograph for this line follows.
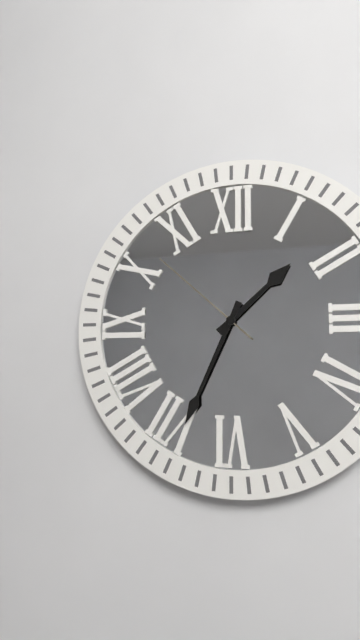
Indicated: 1:34:52
